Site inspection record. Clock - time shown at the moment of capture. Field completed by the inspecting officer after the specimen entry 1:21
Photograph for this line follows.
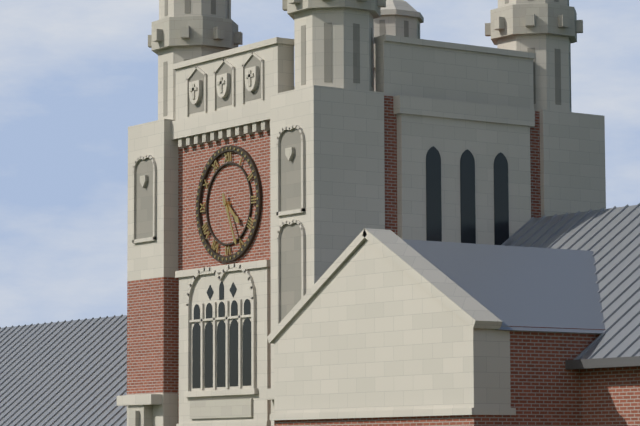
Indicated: 4:26
